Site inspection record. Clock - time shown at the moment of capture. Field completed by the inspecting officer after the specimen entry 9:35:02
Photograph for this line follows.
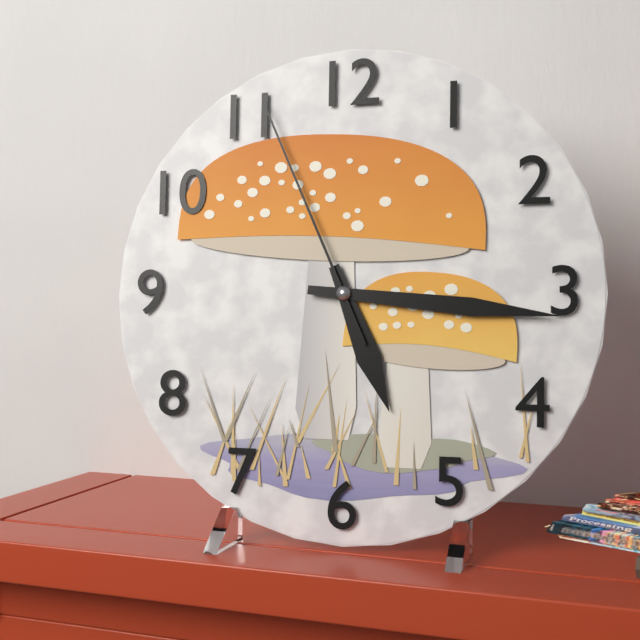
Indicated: 5:16:56
